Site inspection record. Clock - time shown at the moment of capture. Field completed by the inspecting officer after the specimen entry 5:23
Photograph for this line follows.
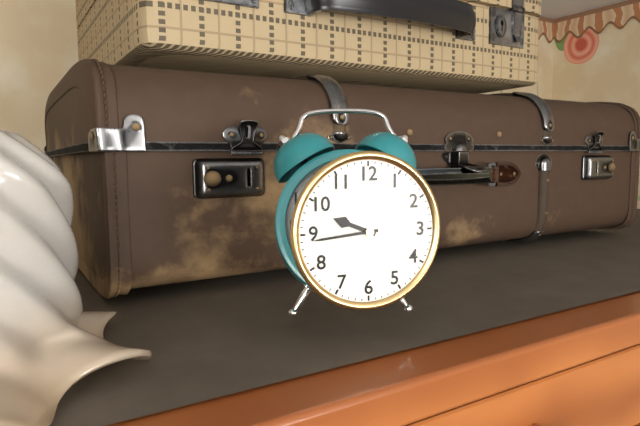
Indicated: 9:44
